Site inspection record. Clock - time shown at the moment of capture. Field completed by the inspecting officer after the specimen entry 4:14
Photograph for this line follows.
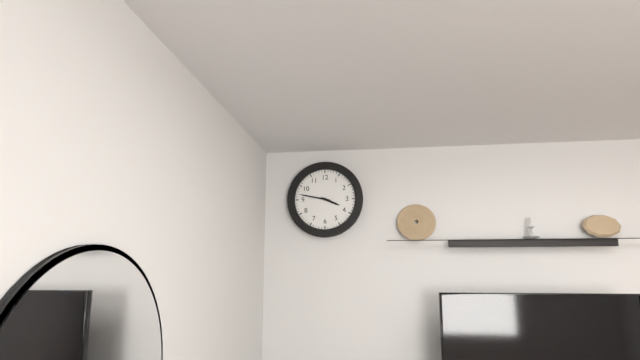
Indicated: 3:47
